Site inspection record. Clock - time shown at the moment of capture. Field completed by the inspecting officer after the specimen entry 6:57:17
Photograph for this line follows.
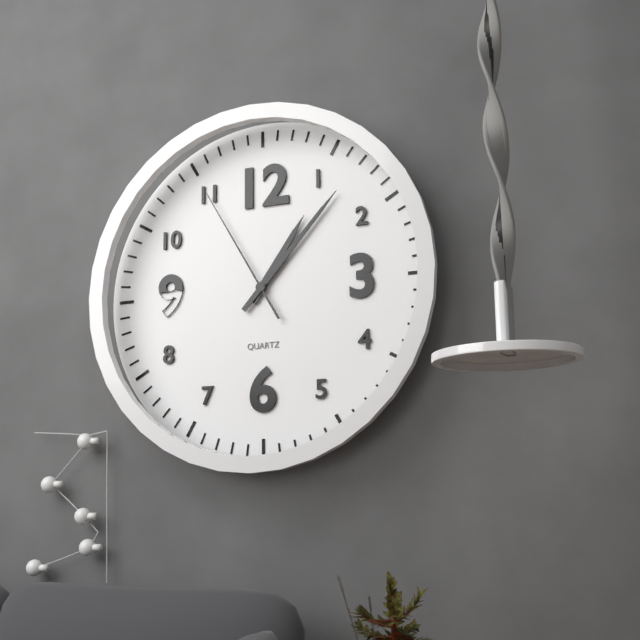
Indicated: 1:07:55
